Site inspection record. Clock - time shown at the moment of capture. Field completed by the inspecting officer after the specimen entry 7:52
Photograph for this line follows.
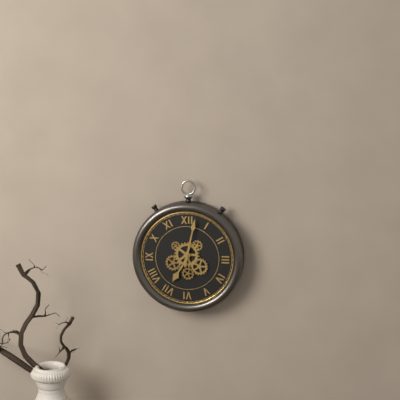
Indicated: 7:02
